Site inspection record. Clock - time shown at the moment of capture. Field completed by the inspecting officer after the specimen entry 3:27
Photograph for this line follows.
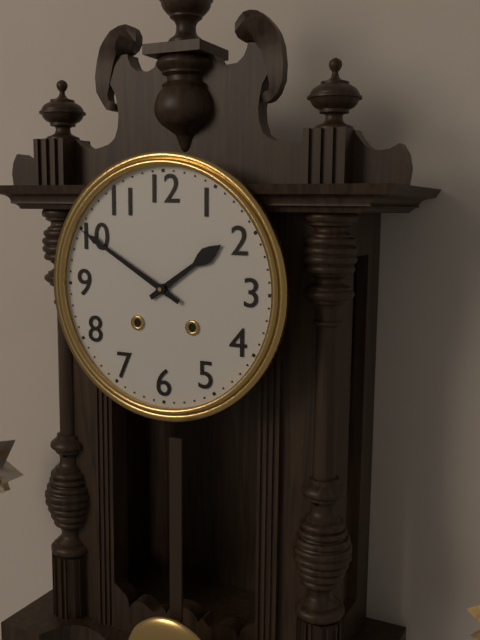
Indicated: 1:50
